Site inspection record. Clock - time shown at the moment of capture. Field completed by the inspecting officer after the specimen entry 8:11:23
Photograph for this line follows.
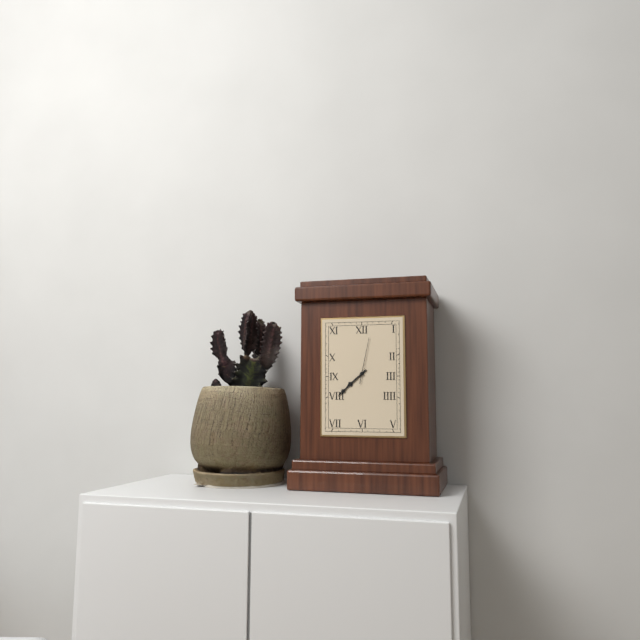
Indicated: 7:38:02
